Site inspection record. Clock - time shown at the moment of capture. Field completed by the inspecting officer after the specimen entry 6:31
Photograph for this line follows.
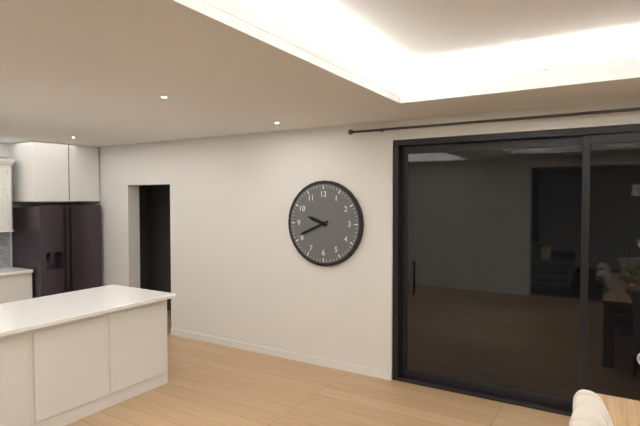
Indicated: 9:41
